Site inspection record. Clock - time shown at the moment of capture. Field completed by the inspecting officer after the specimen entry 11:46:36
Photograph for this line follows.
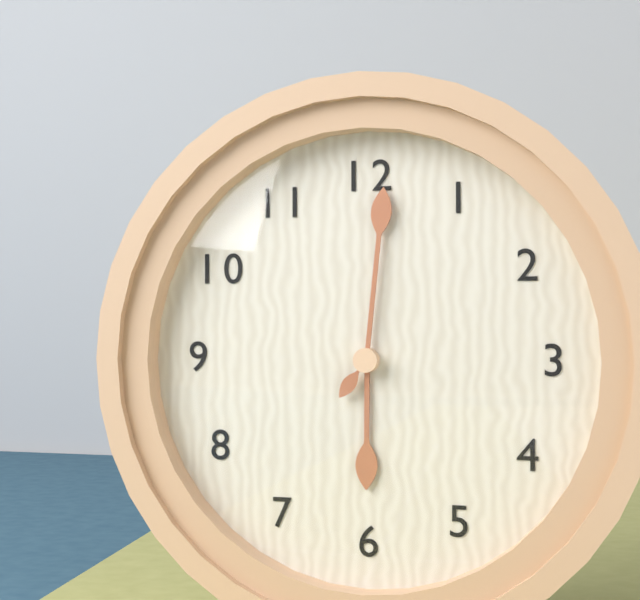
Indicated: 6:01:36
